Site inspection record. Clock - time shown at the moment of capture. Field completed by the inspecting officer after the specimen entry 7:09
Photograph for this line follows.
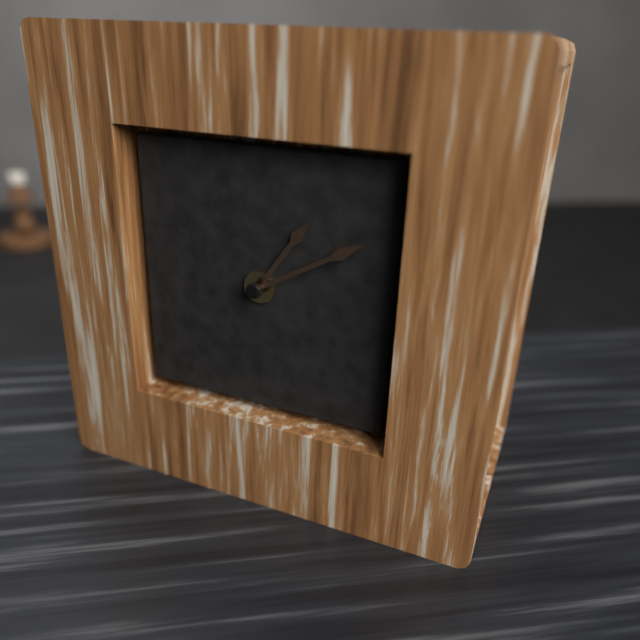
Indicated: 1:10
